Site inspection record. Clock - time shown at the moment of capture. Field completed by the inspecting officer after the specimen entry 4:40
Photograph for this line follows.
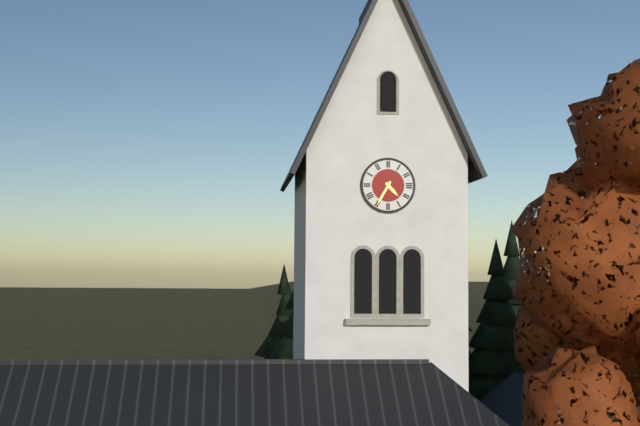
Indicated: 4:35
